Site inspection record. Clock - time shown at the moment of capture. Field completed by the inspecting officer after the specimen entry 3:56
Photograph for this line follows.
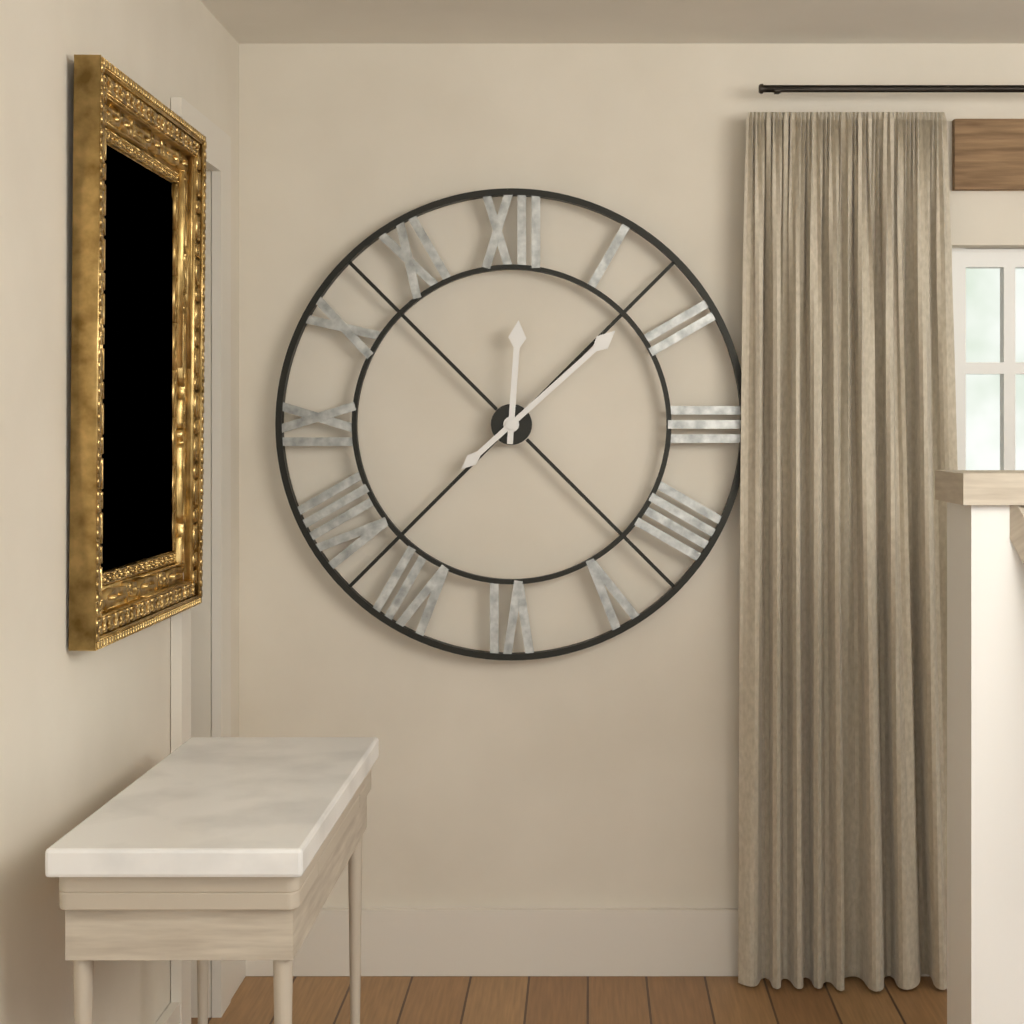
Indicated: 12:08
